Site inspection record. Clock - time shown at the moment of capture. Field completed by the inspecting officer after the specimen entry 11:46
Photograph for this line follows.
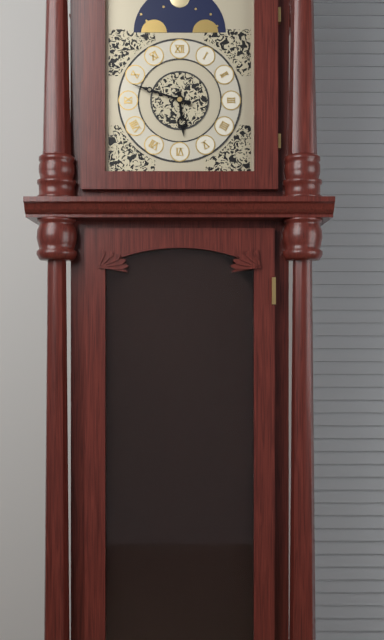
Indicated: 5:48
